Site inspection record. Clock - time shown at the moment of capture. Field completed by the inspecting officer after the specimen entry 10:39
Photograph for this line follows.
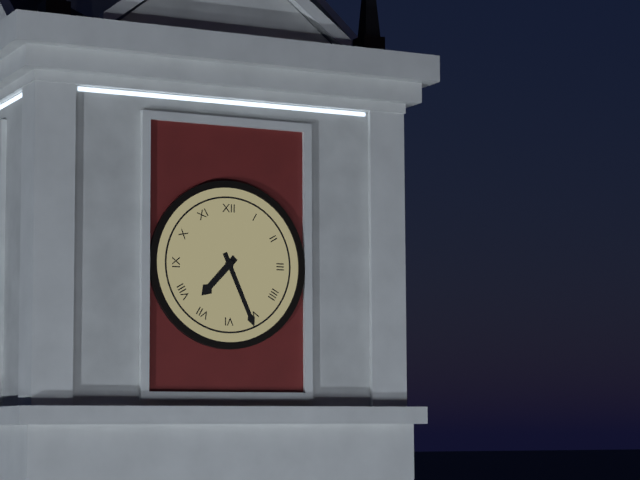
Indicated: 7:26
